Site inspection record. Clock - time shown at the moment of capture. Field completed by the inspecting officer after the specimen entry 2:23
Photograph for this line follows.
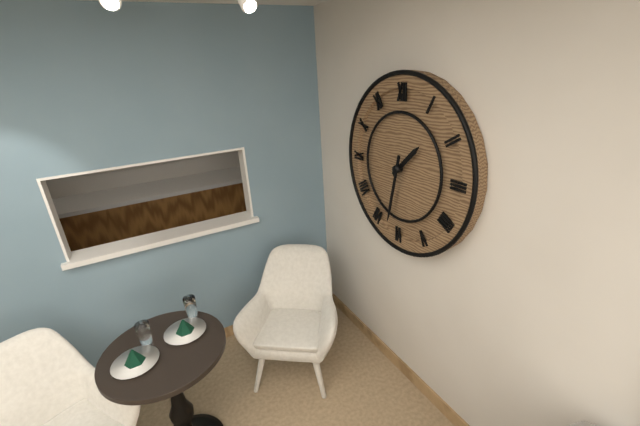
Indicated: 1:32
